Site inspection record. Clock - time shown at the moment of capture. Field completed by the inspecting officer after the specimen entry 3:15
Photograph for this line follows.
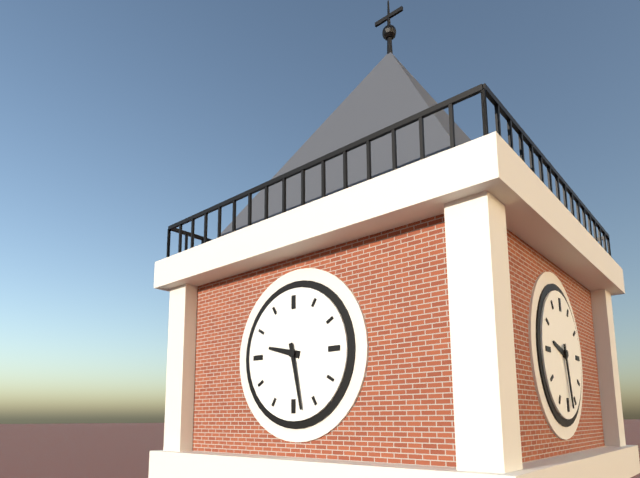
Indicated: 9:28
